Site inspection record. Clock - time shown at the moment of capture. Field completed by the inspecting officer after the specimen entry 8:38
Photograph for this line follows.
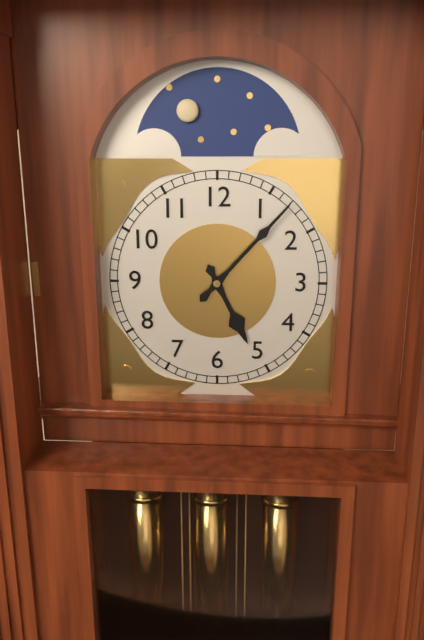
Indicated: 5:07
